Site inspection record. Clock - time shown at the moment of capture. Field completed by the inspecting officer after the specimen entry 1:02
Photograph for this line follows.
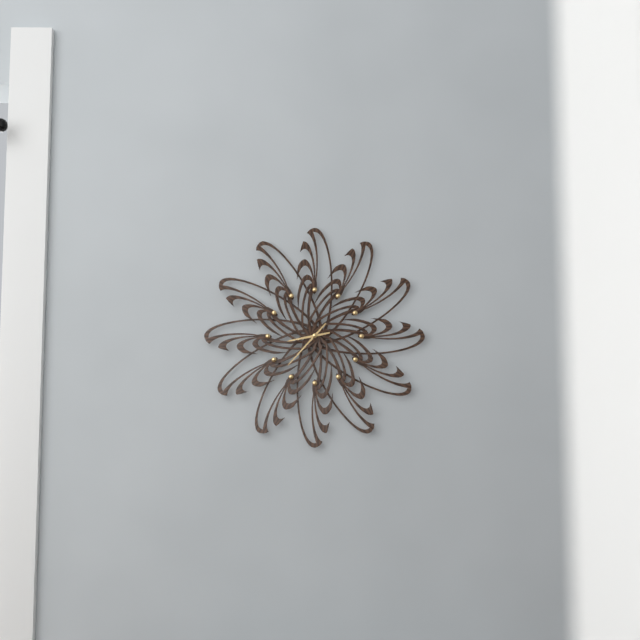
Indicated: 8:37
